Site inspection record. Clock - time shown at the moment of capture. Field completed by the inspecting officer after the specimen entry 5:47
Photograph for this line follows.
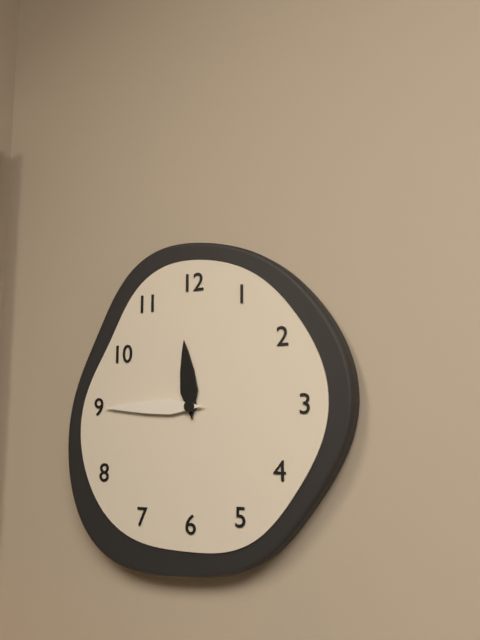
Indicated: 11:45
